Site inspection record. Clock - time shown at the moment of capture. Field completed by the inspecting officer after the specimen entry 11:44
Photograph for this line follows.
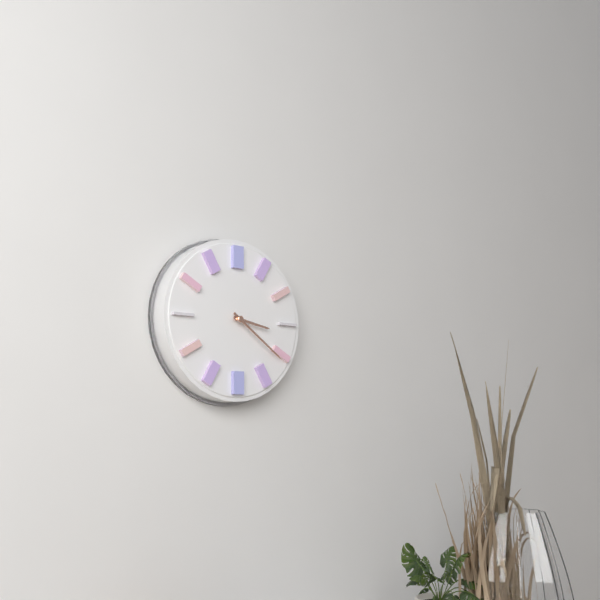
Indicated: 3:21
